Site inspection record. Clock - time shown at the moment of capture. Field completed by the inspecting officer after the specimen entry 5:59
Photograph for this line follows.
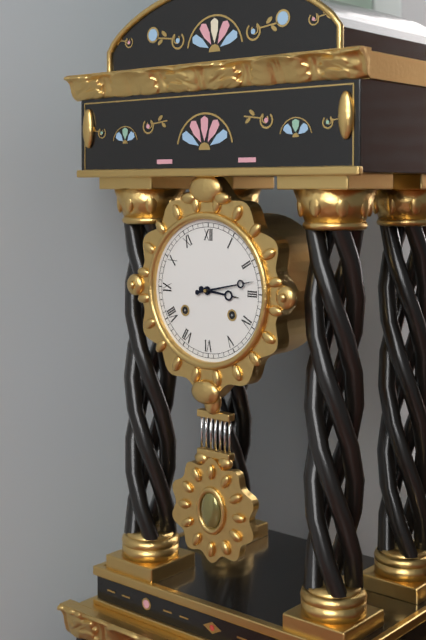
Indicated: 3:13
